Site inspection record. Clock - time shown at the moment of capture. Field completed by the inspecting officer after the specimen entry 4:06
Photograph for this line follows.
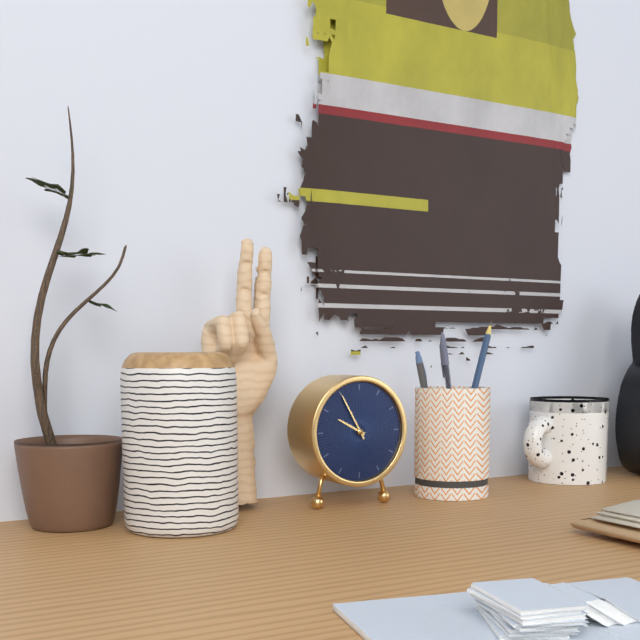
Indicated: 9:55
